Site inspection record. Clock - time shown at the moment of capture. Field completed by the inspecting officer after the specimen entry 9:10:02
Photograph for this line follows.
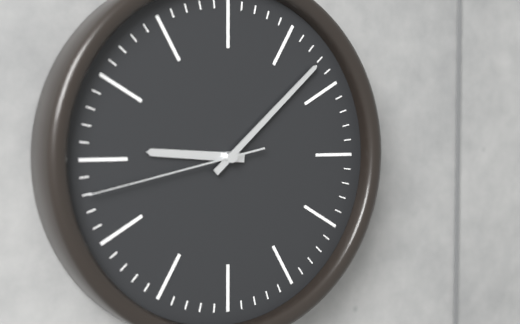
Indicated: 9:08:43
